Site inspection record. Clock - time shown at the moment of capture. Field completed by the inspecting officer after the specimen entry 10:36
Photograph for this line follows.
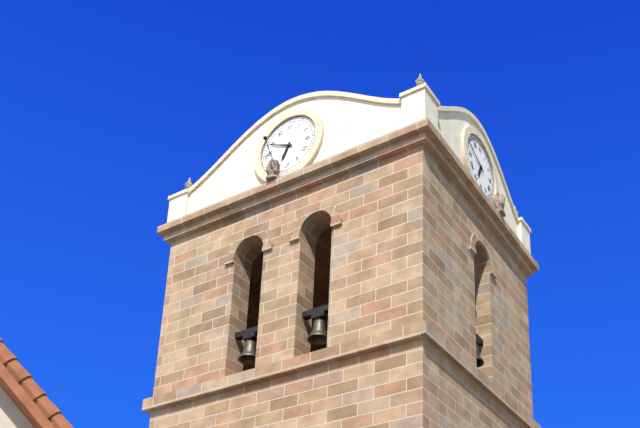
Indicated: 6:49
